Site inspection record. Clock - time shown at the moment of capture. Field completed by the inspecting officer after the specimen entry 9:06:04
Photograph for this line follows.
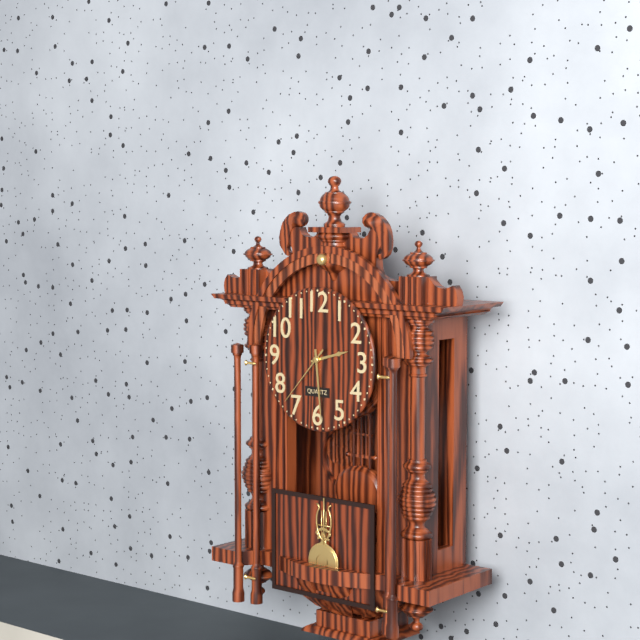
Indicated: 2:29:37
